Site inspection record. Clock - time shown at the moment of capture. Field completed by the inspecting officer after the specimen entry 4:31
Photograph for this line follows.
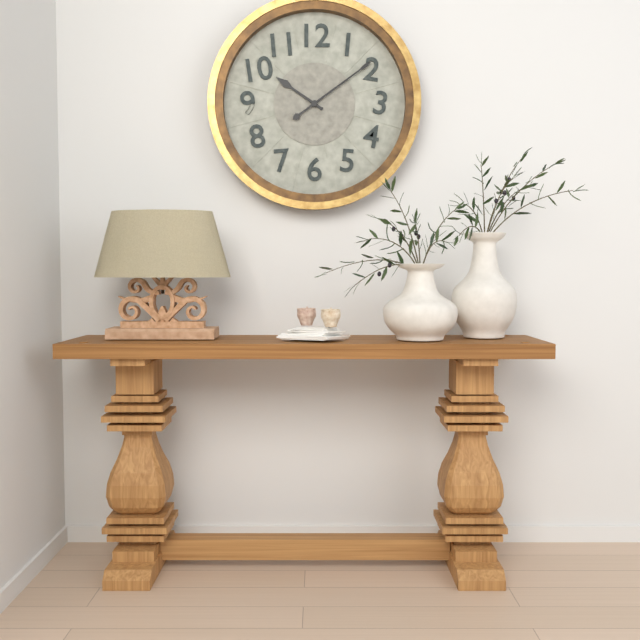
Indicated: 10:09
